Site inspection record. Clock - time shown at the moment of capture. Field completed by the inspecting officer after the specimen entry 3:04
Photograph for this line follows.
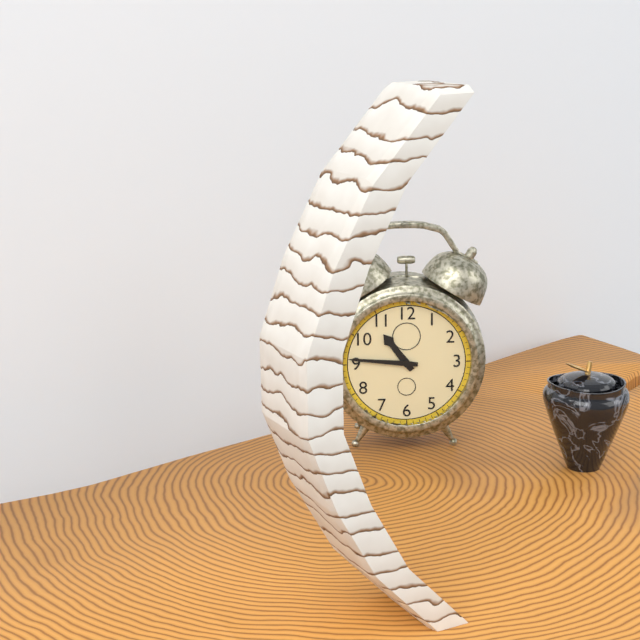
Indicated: 10:46
